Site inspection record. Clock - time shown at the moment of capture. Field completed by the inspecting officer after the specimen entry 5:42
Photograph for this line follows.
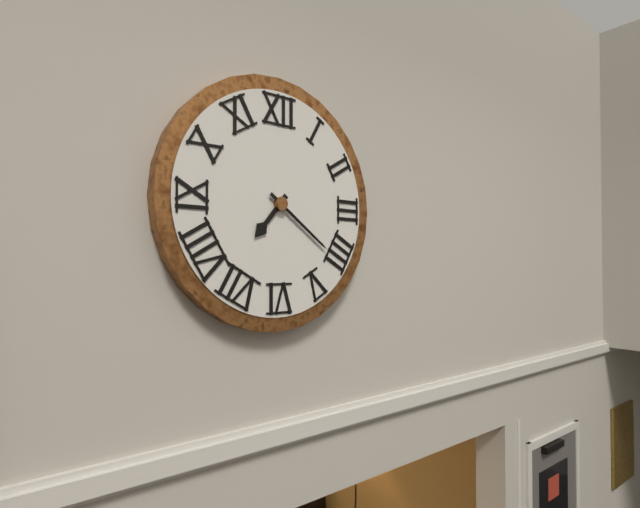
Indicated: 7:21
